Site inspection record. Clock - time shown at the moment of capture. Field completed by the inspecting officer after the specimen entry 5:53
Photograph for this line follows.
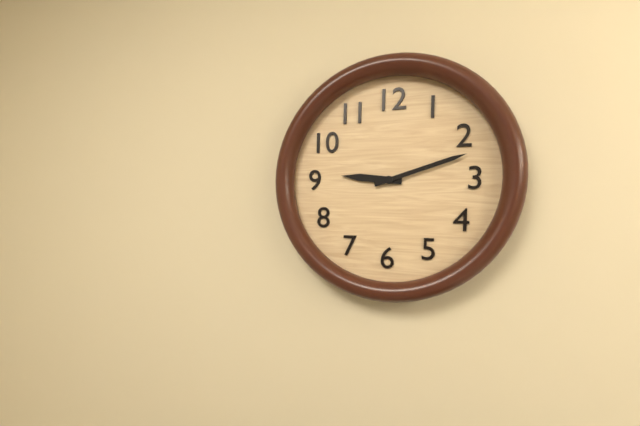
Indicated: 9:12
